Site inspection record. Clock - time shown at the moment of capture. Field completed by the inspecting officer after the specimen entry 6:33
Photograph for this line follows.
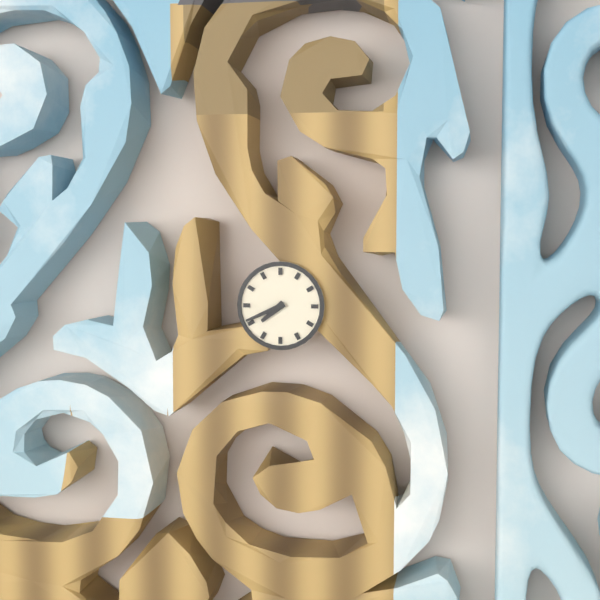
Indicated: 7:41
